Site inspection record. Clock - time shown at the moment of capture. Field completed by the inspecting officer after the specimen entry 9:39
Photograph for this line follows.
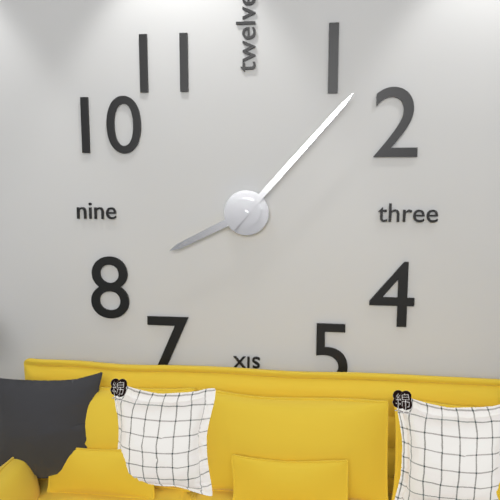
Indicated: 8:07
